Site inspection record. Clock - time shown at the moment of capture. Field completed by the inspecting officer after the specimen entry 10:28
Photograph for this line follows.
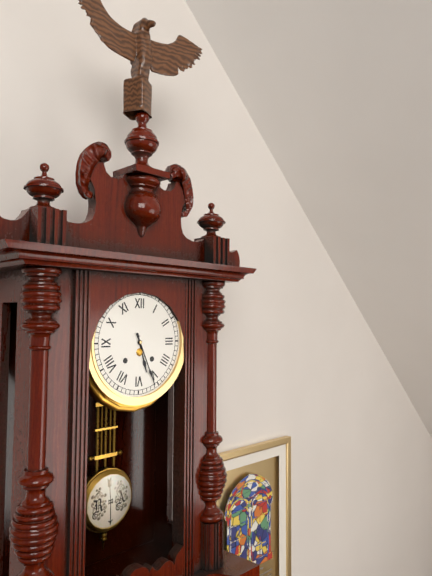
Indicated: 5:26
